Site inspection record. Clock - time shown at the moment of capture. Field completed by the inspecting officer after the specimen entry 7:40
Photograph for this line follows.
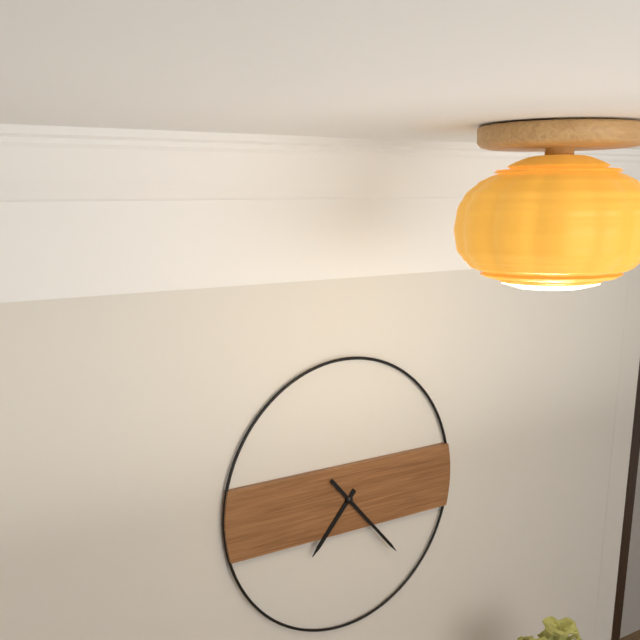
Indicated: 7:23
